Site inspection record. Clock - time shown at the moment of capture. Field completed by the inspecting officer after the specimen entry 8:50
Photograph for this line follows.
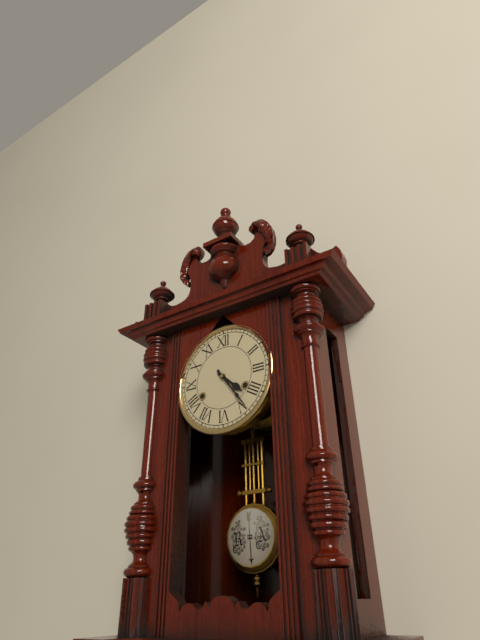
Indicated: 4:24
